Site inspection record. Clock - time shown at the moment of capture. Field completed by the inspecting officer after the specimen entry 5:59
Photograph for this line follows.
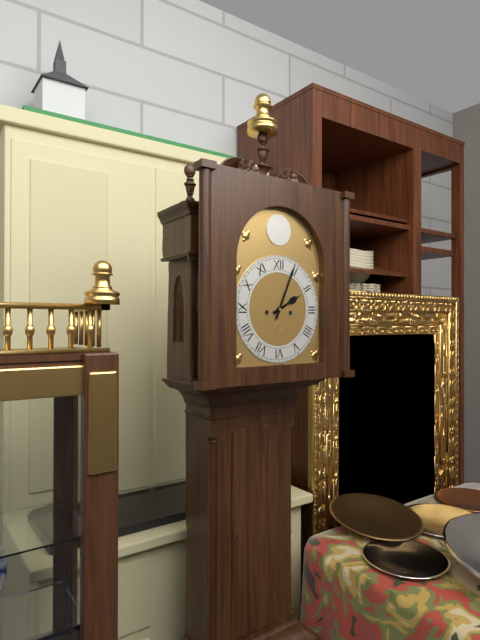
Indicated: 2:04
